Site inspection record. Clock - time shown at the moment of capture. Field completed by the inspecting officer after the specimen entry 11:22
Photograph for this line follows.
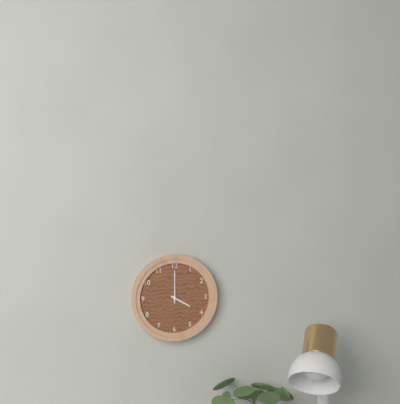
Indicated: 4:00
